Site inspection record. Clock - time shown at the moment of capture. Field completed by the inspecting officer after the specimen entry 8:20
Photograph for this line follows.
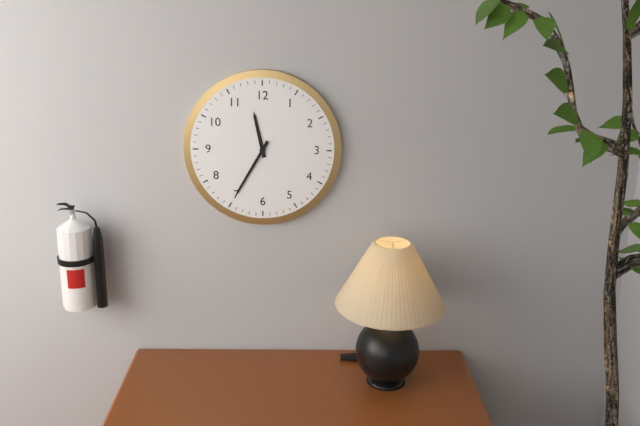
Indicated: 11:35
